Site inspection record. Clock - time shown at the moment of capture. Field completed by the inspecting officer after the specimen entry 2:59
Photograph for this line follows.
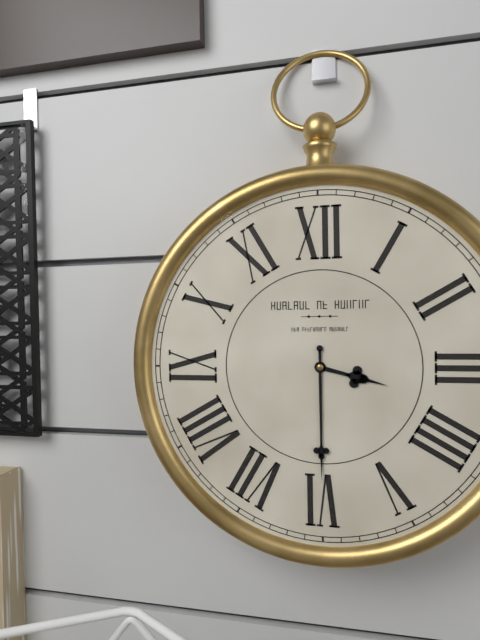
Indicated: 3:30
